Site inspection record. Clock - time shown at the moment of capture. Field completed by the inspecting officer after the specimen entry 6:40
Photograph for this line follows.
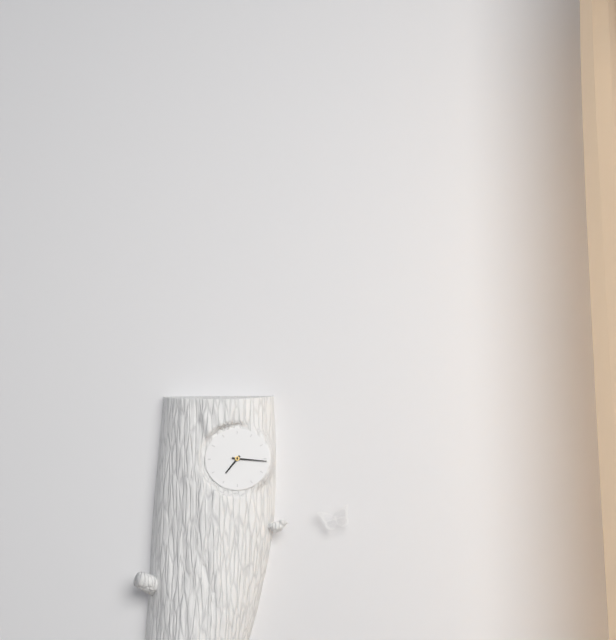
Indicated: 7:16
